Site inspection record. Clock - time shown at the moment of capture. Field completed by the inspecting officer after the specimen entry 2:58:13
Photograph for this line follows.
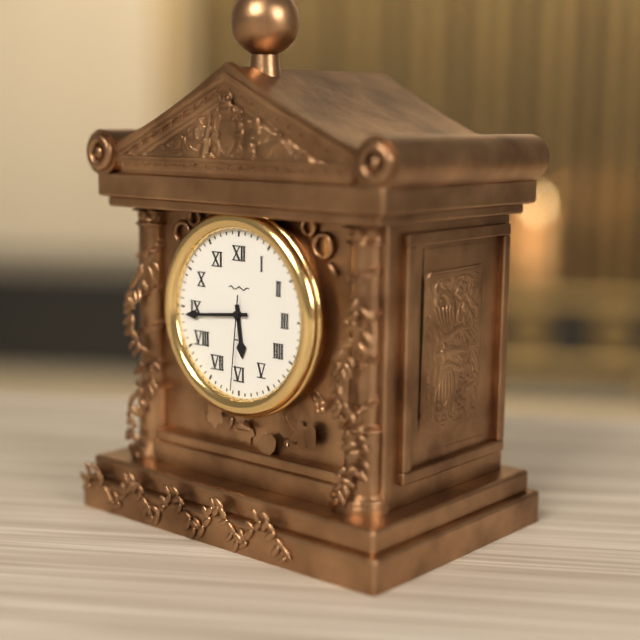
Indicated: 5:44:31
